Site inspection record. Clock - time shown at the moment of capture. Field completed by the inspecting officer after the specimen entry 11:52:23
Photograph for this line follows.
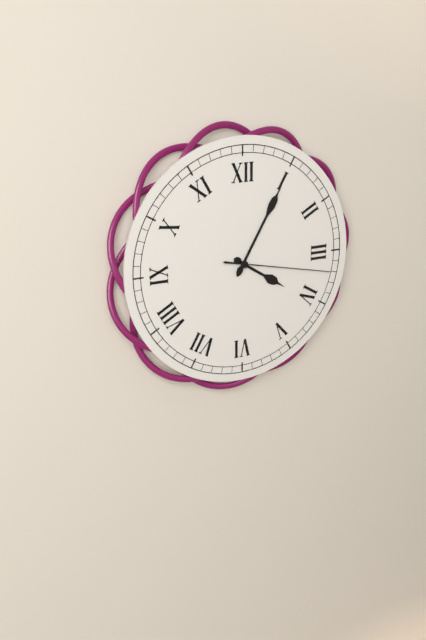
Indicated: 4:05:17
